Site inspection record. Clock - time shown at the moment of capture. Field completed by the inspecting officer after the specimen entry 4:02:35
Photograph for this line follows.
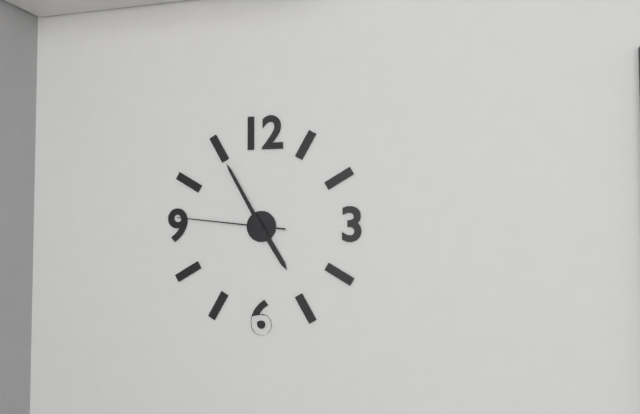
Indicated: 4:55:46
